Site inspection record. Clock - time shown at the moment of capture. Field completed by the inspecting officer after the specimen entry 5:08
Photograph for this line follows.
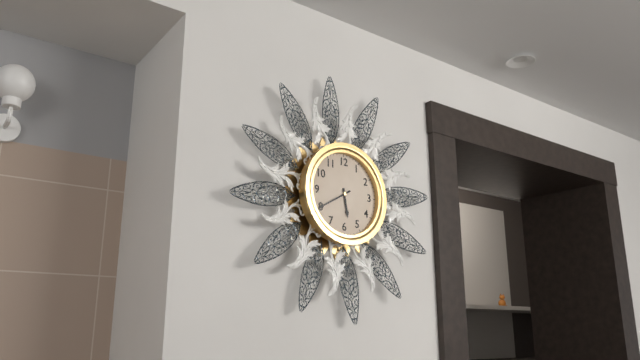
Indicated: 5:40
